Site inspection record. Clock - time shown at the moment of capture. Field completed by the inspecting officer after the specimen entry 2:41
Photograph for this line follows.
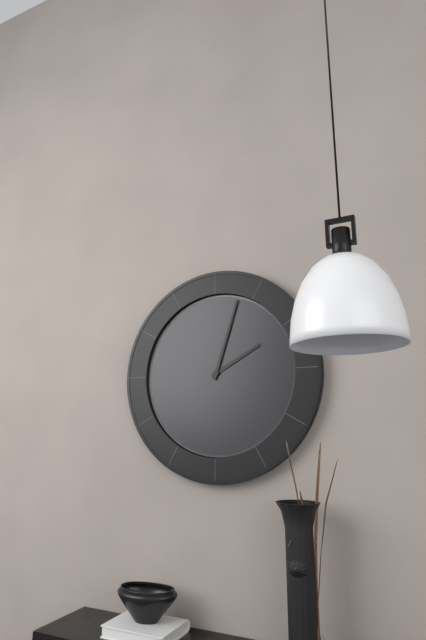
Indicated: 2:03
